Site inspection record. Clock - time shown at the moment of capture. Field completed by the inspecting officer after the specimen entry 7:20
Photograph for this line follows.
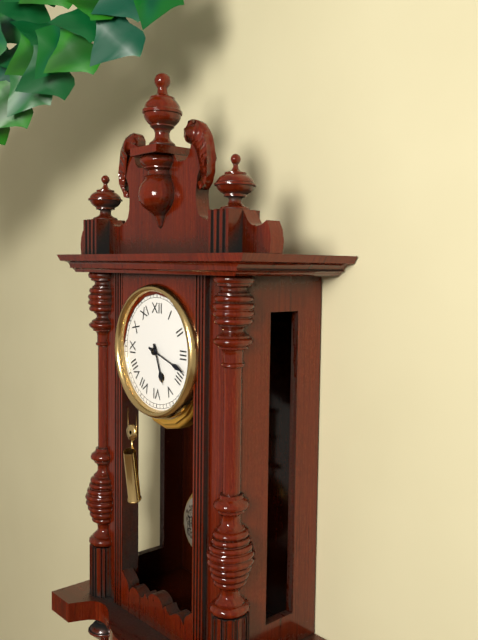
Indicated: 5:18
